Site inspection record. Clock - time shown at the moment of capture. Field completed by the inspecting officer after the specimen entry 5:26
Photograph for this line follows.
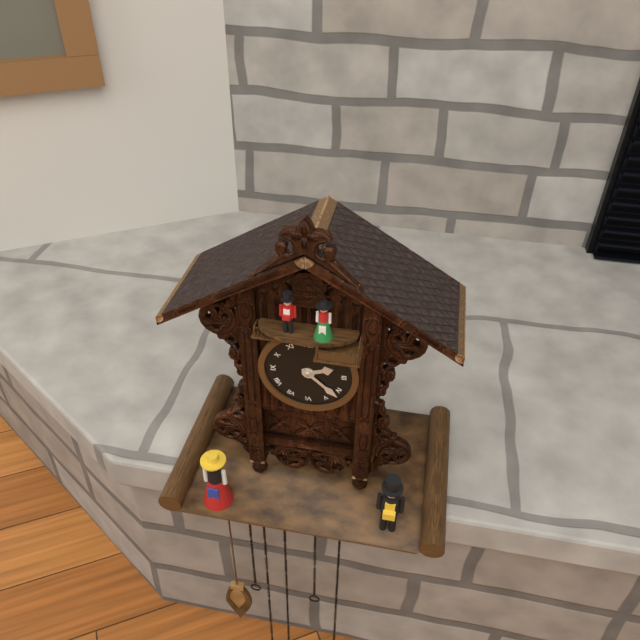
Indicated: 2:22
